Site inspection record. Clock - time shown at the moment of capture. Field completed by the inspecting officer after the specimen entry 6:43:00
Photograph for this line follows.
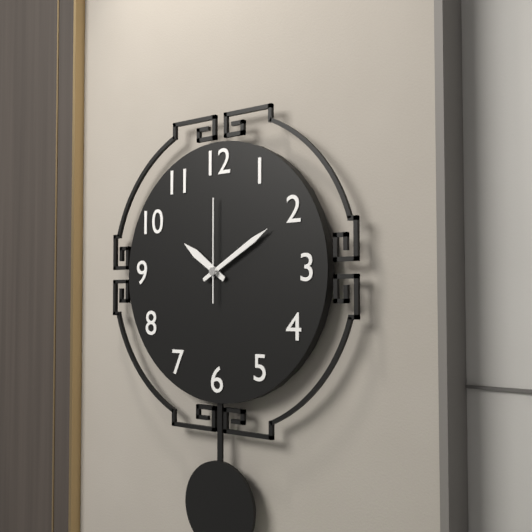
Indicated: 10:10:00
